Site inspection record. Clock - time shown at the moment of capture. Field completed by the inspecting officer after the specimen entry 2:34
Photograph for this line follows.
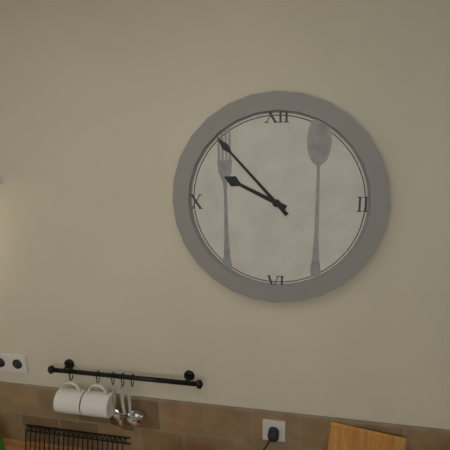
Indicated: 9:53
